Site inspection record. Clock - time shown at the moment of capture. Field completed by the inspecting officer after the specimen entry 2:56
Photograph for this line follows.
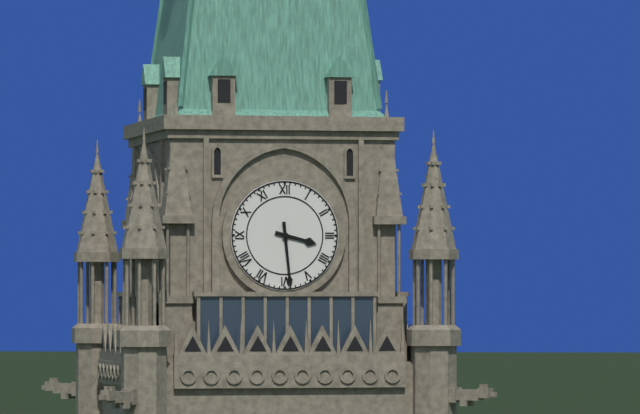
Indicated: 3:29
